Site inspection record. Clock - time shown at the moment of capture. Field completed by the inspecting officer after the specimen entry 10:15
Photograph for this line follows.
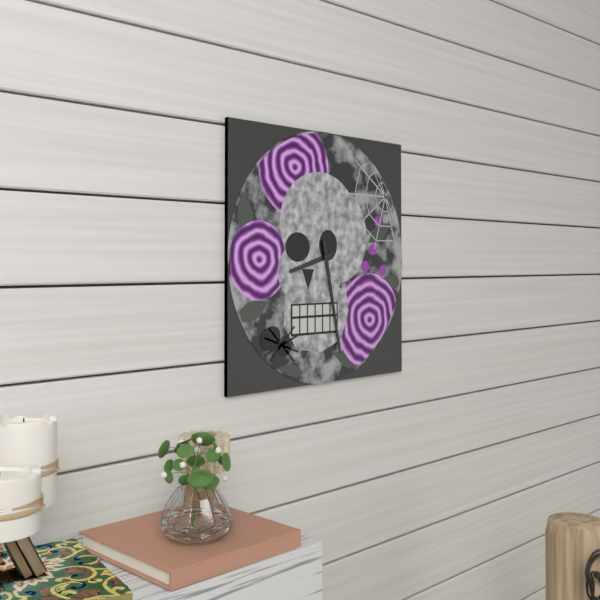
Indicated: 8:28
